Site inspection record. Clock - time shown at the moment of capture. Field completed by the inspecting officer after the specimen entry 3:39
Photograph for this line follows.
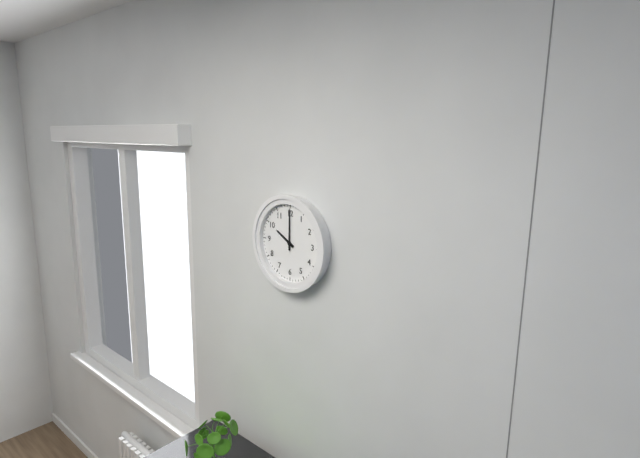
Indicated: 10:00
